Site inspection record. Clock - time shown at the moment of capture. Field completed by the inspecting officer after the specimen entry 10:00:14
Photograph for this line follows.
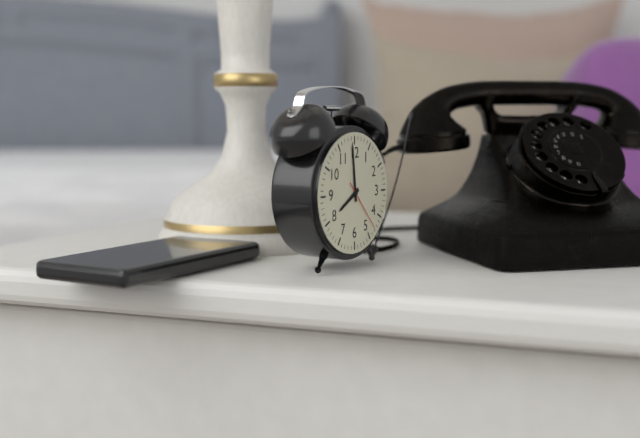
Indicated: 7:59:23
